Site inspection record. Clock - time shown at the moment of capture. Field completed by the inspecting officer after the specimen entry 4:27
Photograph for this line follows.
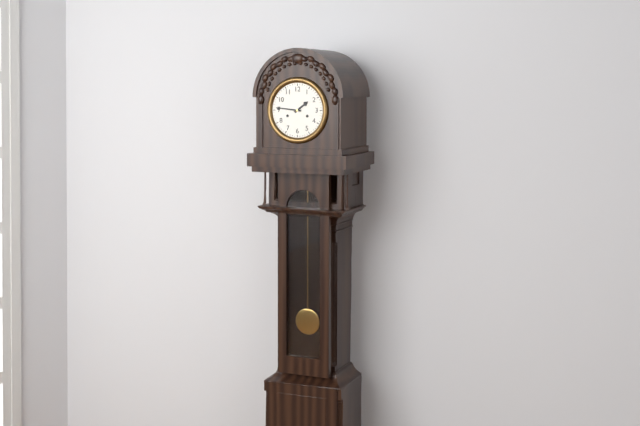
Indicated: 1:46
